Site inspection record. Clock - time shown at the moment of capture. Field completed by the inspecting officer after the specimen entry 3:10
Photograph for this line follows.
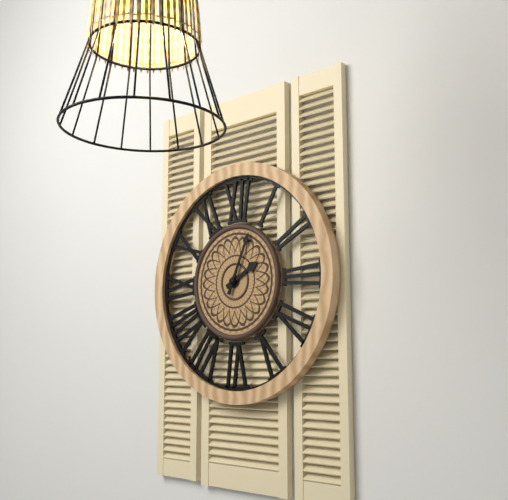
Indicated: 2:04
